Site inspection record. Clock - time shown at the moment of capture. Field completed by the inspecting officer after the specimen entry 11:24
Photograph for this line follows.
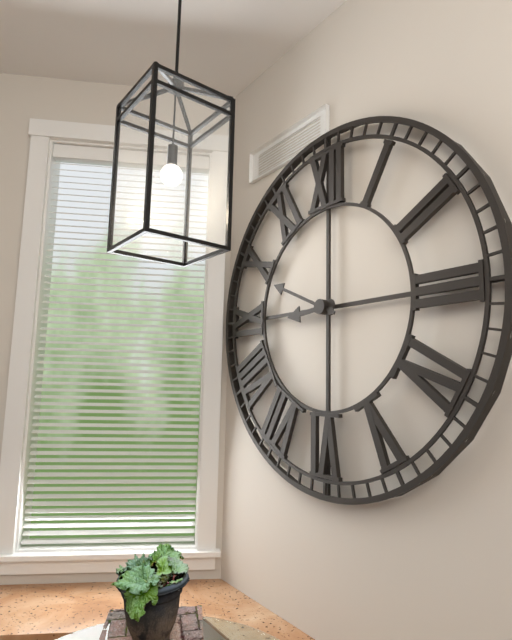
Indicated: 8:49
